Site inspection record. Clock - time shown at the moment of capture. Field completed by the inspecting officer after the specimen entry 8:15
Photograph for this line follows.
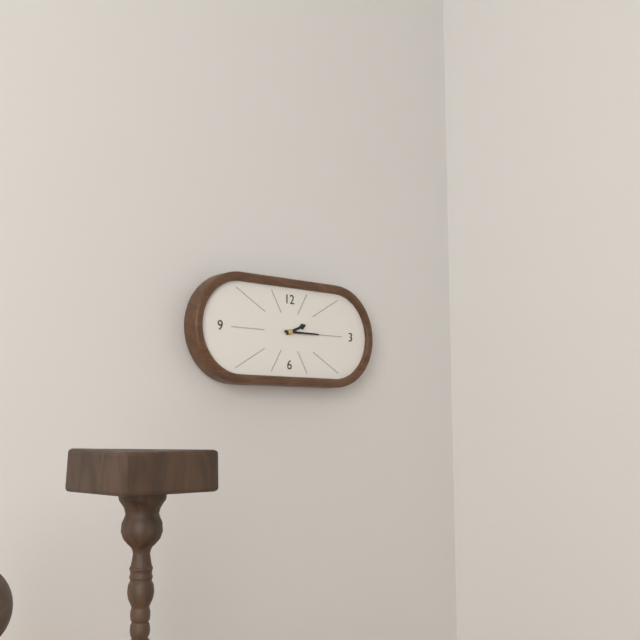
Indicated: 2:15
